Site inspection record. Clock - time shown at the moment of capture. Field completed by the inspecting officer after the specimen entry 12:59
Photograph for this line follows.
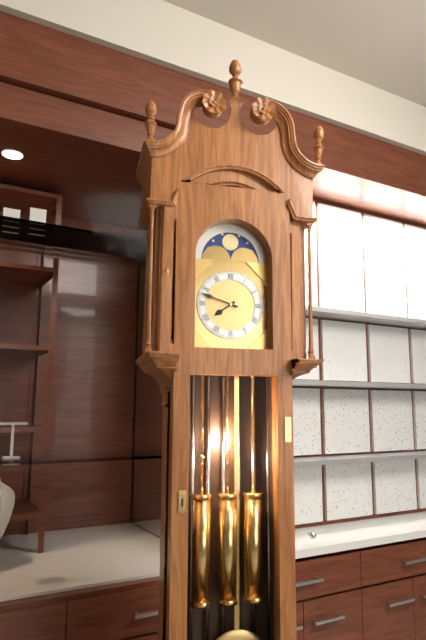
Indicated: 7:48
